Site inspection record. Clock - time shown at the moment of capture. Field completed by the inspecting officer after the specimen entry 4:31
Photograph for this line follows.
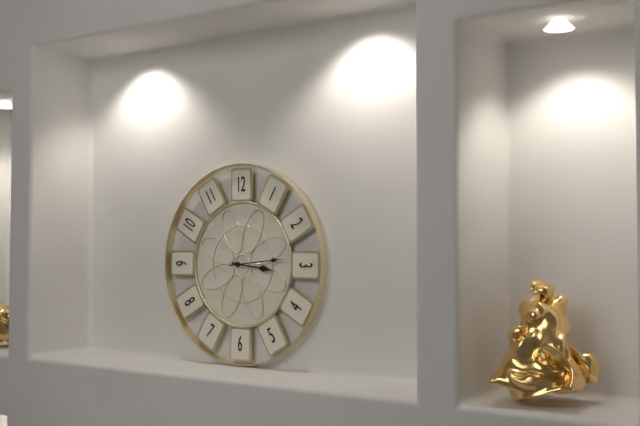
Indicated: 3:14
